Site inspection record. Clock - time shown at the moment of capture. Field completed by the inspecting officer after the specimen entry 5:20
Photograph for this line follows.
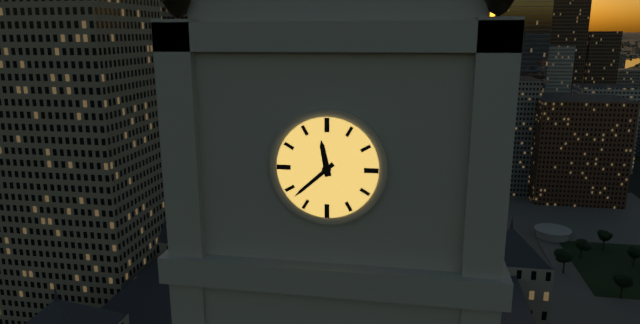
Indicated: 11:38
